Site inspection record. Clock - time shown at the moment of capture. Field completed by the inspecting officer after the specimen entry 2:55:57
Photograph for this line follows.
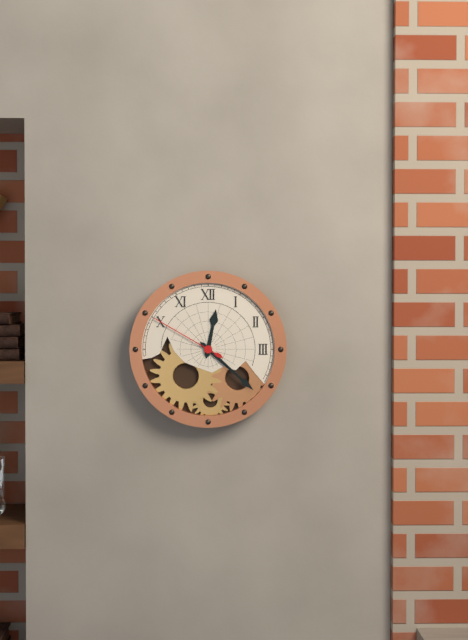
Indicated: 12:22:50
